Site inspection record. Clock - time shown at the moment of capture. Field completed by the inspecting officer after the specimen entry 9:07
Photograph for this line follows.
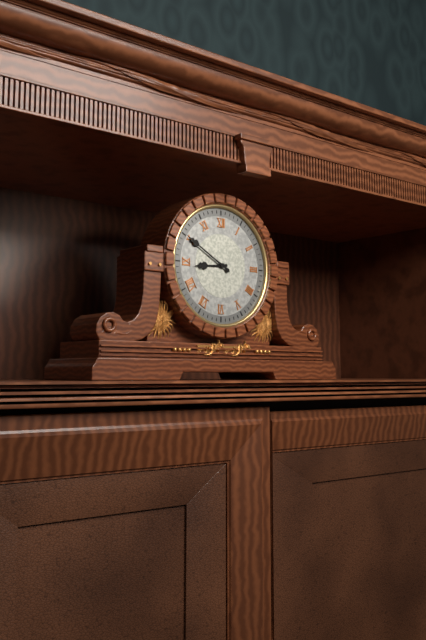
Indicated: 8:50
